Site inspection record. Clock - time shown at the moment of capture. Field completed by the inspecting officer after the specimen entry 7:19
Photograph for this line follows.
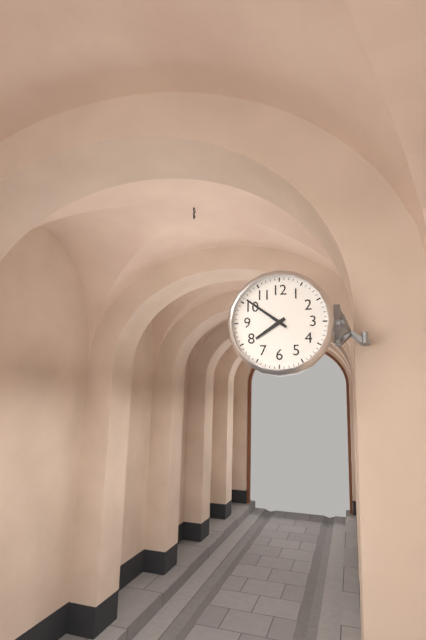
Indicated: 7:51
